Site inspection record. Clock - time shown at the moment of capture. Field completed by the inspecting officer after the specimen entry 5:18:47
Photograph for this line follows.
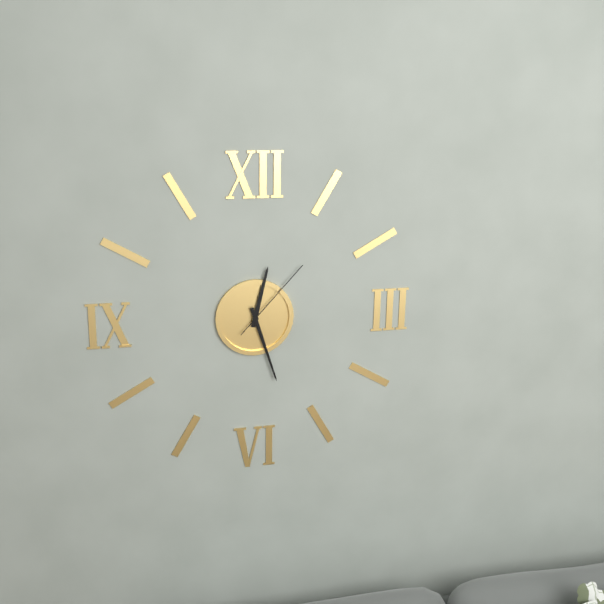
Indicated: 12:27:07
